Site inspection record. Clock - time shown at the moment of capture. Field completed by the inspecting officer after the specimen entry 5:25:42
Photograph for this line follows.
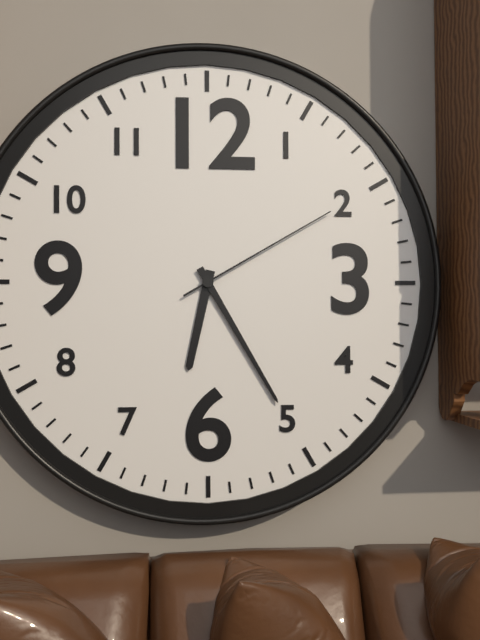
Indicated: 6:25:10
